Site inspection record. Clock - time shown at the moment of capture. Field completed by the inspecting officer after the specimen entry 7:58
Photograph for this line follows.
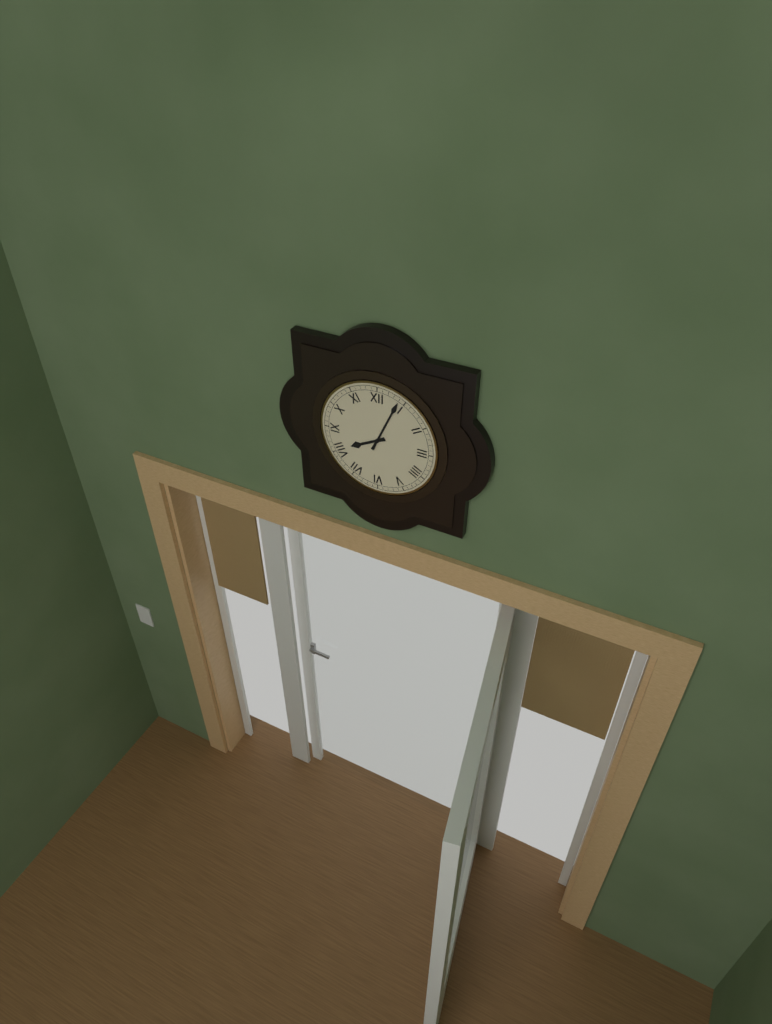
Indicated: 8:04
